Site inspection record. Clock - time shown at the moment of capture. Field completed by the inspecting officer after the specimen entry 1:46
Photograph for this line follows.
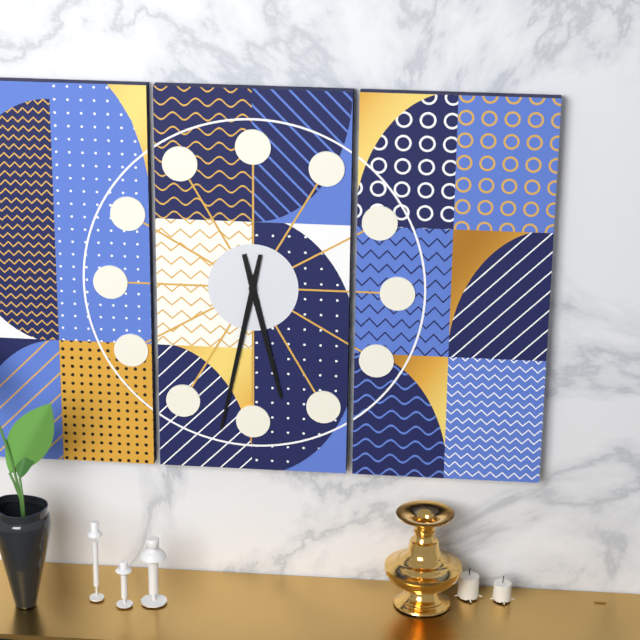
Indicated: 5:32
